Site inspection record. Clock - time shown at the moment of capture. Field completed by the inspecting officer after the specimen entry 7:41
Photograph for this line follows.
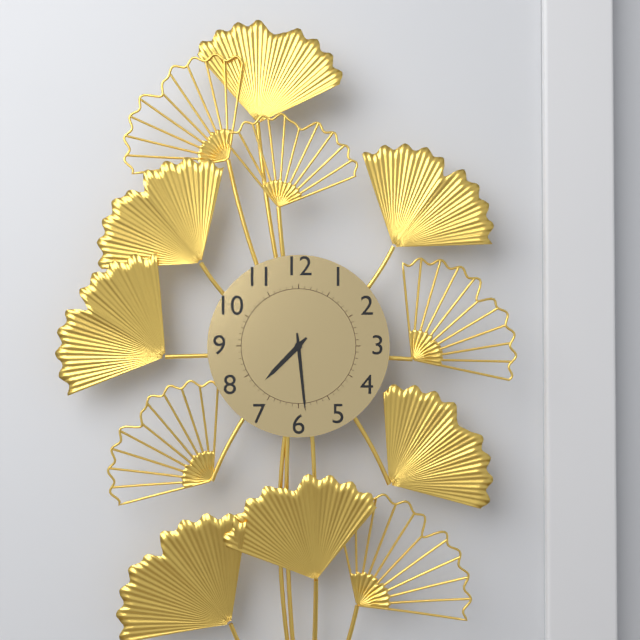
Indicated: 7:29
